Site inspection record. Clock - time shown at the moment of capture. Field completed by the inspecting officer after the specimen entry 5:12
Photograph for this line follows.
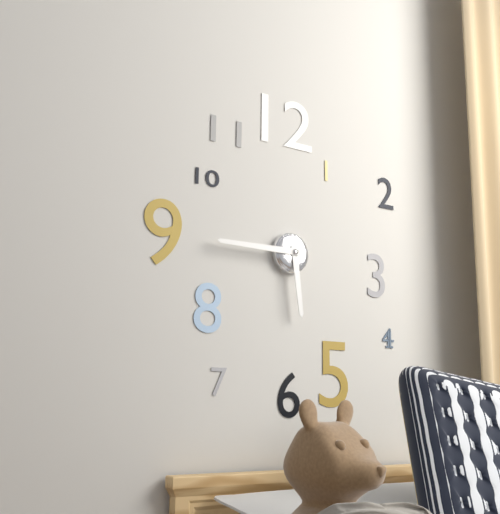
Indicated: 5:45
